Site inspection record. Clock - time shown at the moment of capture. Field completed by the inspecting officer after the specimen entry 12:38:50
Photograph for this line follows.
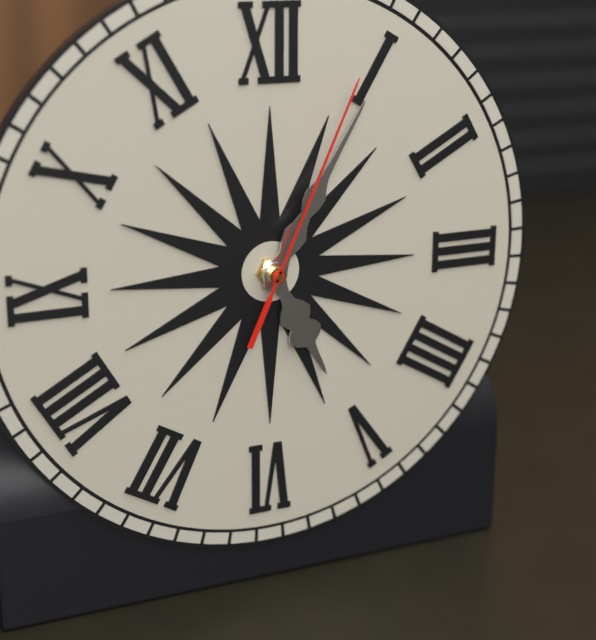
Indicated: 5:05:04
